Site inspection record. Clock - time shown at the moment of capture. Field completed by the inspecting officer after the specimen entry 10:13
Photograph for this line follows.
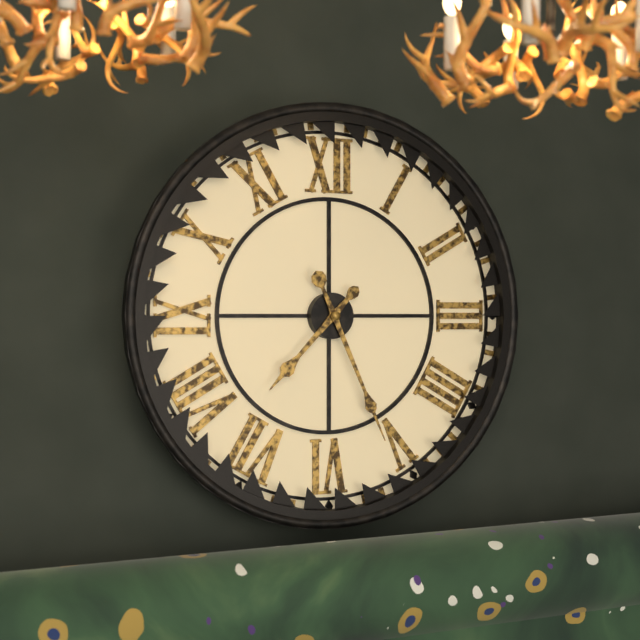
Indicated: 7:26
